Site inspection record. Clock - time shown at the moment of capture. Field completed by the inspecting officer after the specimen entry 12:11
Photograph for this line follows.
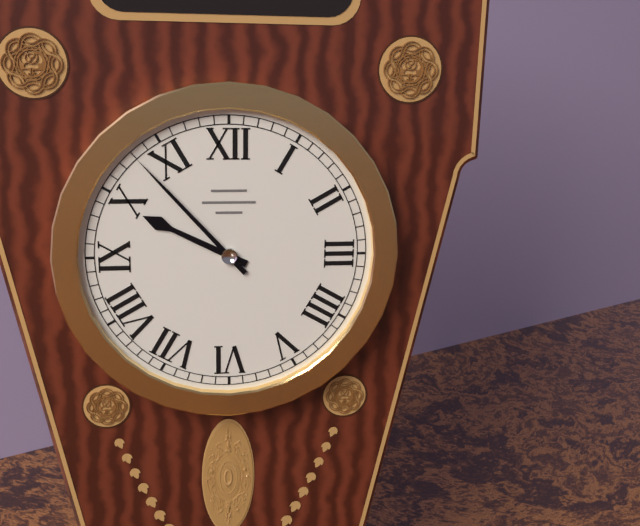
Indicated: 9:53
